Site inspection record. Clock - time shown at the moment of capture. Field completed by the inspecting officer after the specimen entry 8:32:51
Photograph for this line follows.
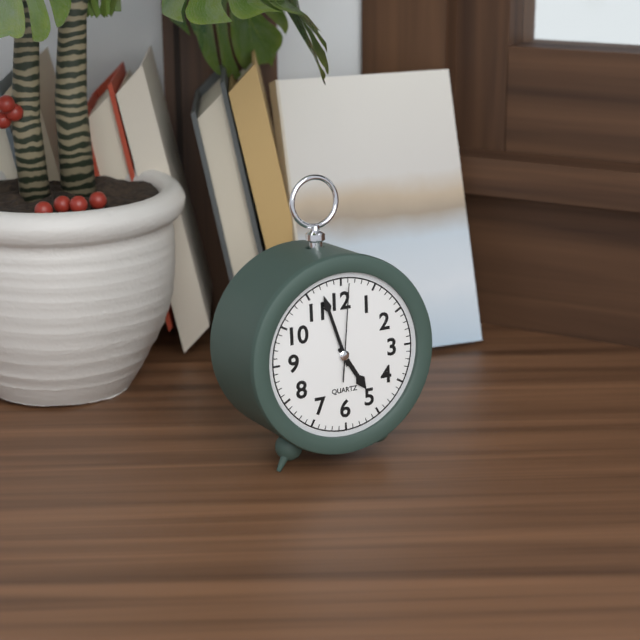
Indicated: 4:57:01
